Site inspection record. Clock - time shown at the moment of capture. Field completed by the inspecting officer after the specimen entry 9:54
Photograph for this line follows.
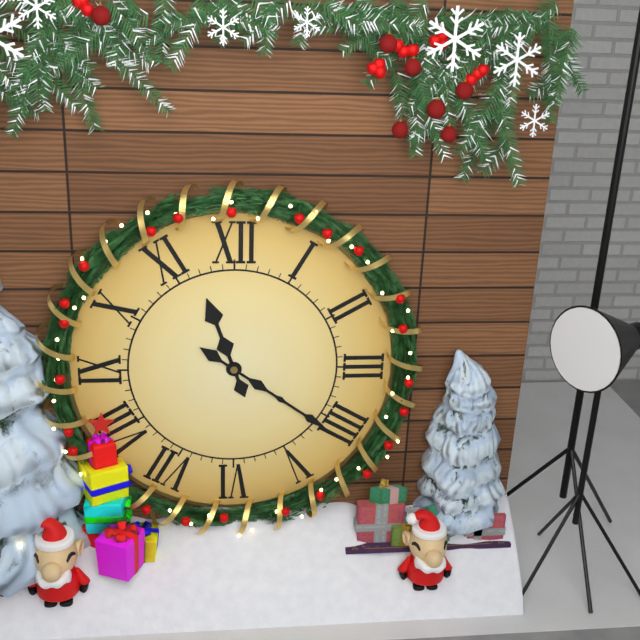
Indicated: 11:21
